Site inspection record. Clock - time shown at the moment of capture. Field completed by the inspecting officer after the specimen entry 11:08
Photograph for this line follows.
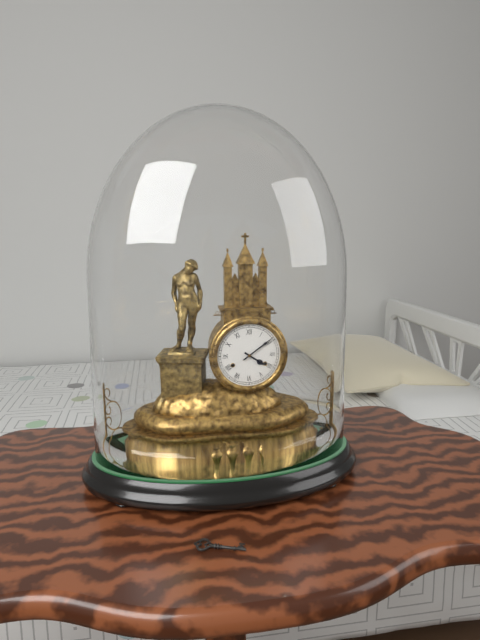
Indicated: 4:09
